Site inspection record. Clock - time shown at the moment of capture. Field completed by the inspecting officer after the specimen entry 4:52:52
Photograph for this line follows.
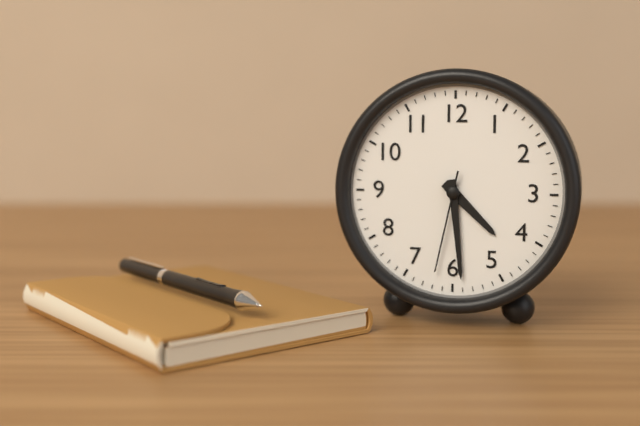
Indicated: 4:29:32
